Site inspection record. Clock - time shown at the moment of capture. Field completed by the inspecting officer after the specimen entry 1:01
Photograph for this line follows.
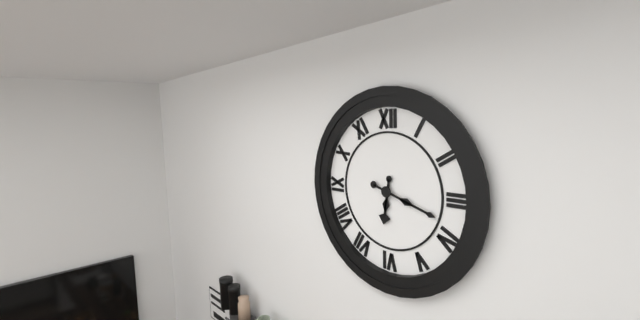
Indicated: 6:18
